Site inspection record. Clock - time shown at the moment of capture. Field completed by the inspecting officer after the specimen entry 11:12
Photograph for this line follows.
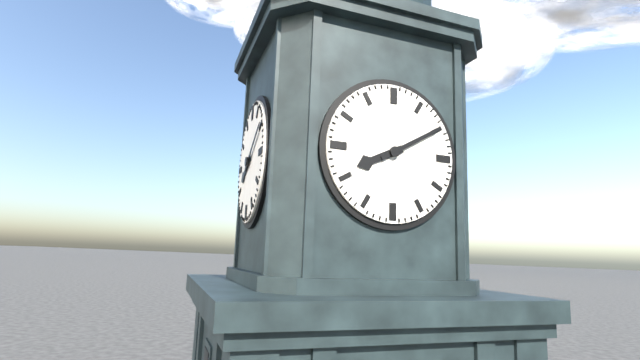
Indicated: 8:10
